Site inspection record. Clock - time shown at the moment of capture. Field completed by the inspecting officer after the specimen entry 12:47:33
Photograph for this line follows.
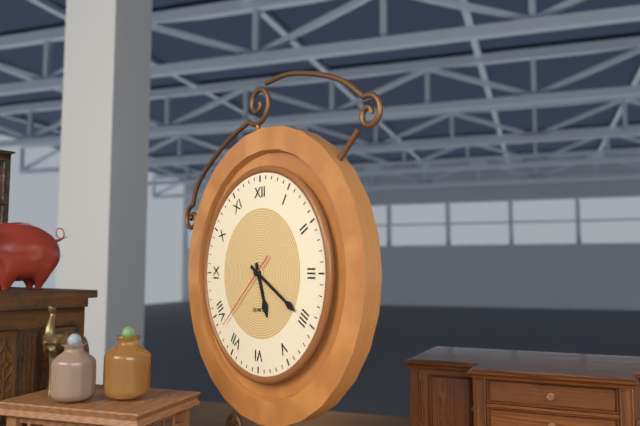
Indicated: 5:20:38
